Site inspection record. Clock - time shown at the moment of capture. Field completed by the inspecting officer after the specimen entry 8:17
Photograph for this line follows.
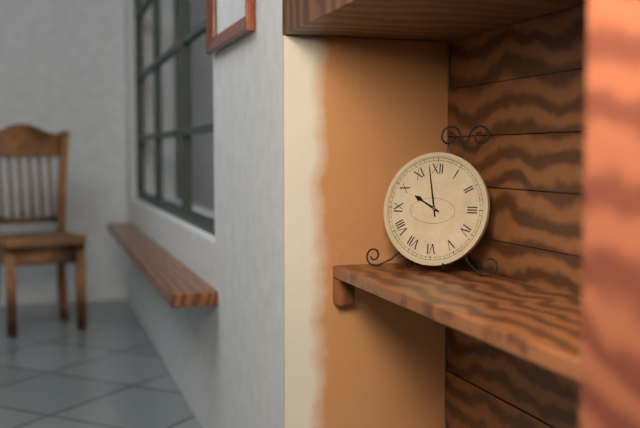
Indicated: 9:58
